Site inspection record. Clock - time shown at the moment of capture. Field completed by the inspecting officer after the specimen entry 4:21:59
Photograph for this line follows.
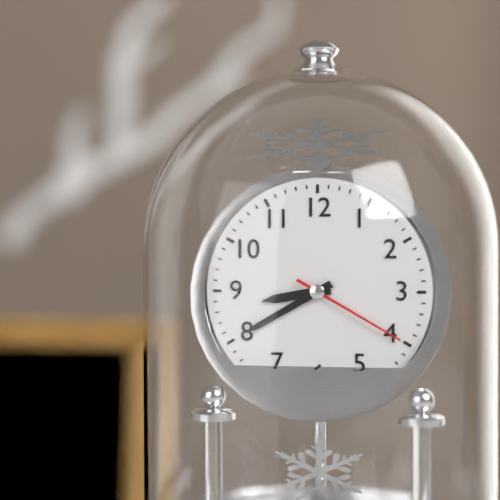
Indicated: 8:40:20
